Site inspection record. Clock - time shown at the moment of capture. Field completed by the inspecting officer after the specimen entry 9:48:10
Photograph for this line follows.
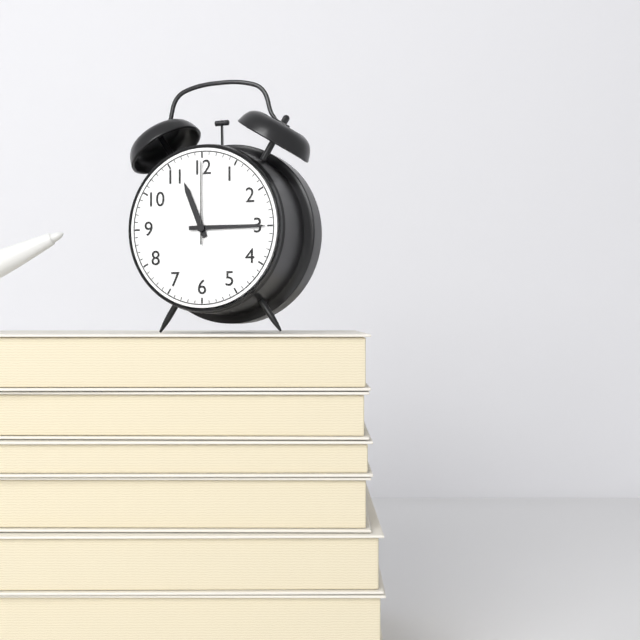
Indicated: 11:15:00
